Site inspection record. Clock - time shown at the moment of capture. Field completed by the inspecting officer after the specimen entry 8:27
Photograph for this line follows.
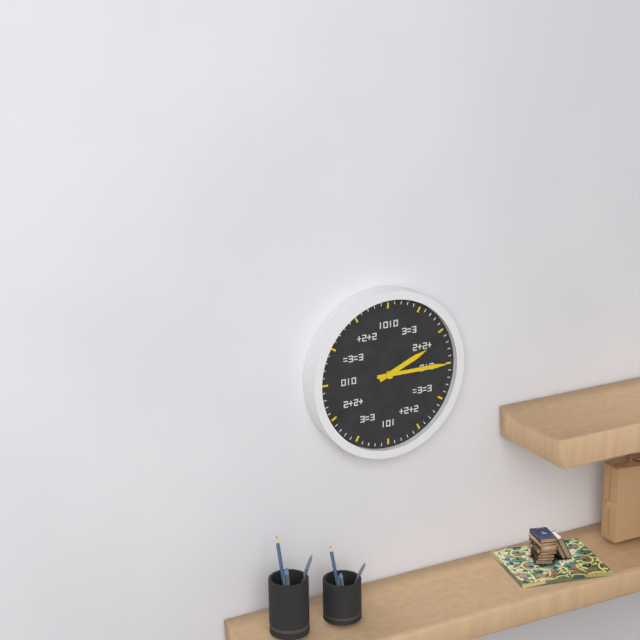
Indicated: 2:15
